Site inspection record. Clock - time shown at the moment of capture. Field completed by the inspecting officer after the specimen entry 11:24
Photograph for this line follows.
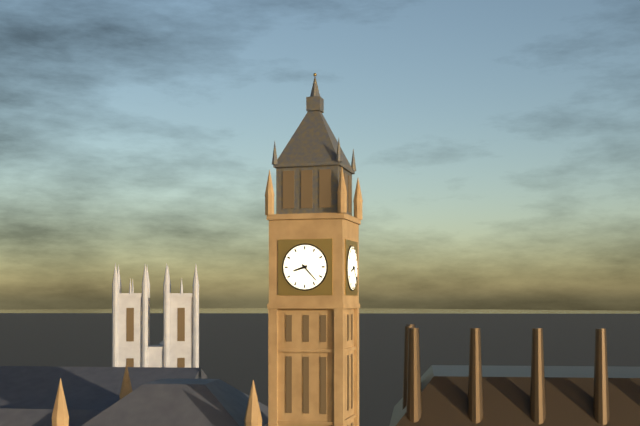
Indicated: 8:23
